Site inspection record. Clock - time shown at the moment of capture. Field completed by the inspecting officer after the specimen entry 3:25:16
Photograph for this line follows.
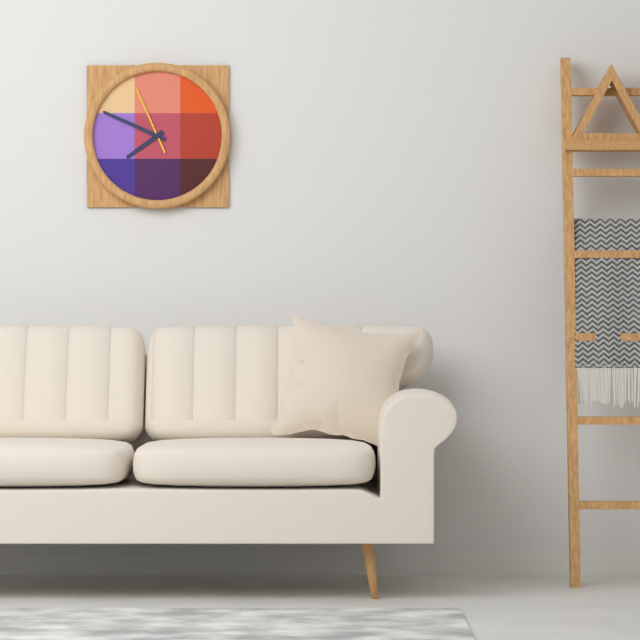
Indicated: 7:49:56
